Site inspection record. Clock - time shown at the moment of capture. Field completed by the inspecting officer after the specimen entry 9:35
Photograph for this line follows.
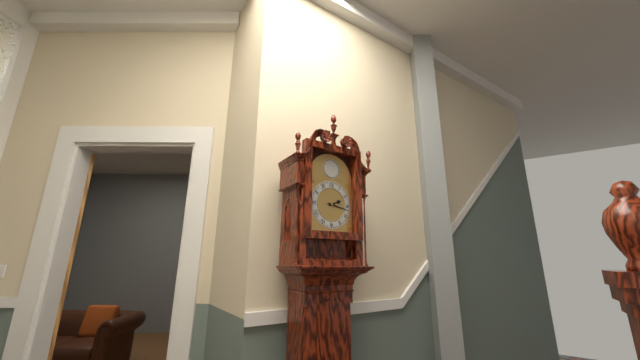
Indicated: 2:17
